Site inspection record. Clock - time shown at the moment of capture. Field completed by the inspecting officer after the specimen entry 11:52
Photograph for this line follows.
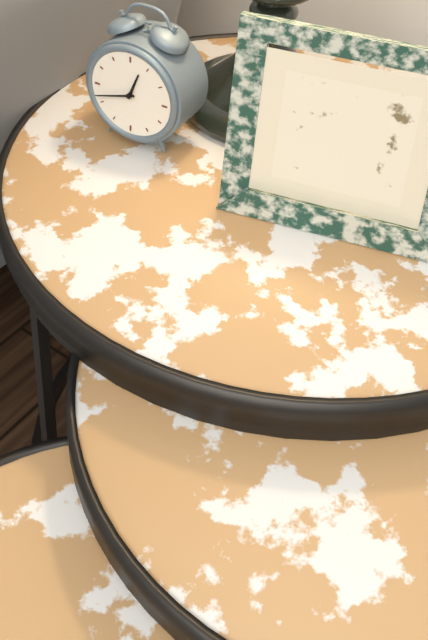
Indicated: 12:42
